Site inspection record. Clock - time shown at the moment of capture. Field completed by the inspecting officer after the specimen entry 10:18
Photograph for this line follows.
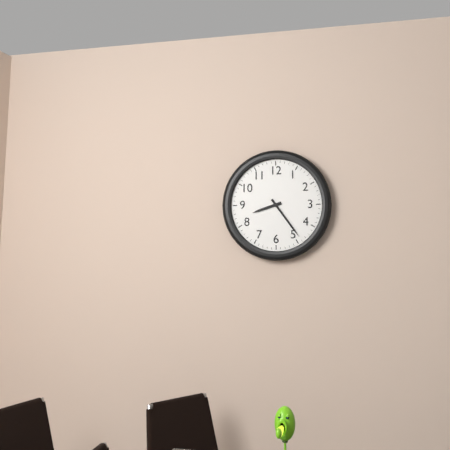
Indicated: 8:24
